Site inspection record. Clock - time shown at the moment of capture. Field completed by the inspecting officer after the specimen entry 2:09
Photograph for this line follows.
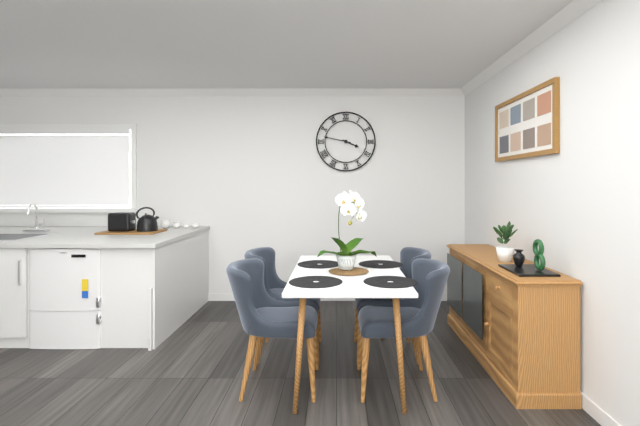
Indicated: 3:47
